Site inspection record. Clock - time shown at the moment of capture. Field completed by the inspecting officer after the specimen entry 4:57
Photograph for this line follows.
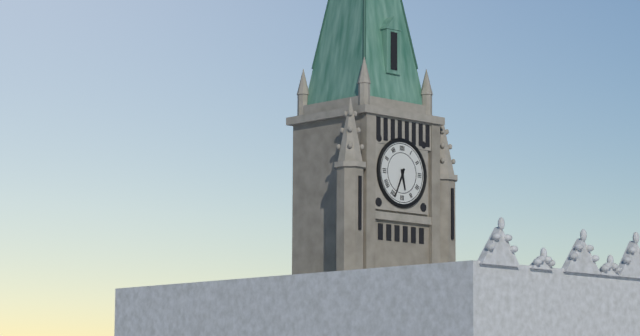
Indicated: 5:34
